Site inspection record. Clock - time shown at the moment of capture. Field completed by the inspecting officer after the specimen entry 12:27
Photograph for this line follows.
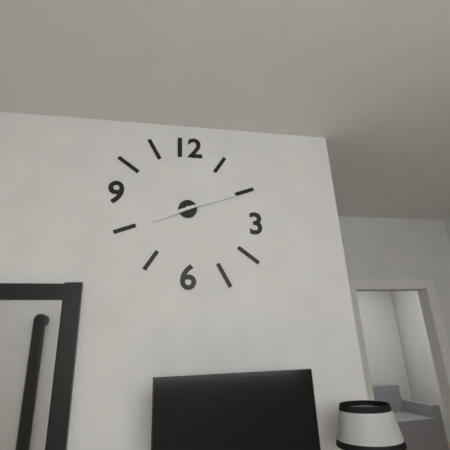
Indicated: 8:12
